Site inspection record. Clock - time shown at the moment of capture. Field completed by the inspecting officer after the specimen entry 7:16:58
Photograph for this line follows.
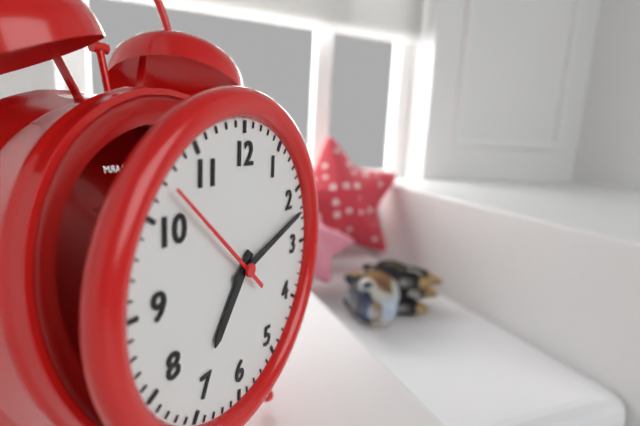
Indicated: 7:12:52
